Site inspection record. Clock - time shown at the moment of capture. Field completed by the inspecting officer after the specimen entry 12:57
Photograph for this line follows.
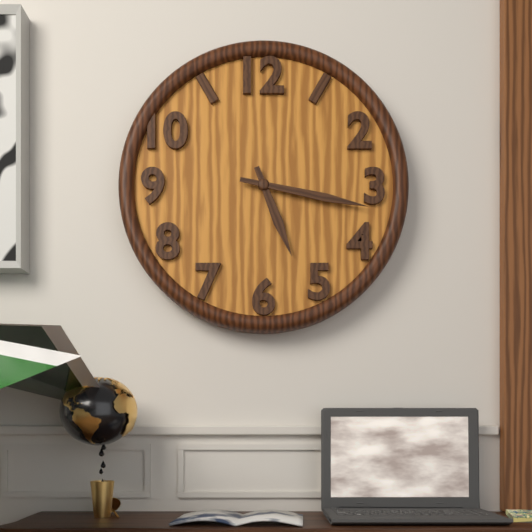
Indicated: 5:17
